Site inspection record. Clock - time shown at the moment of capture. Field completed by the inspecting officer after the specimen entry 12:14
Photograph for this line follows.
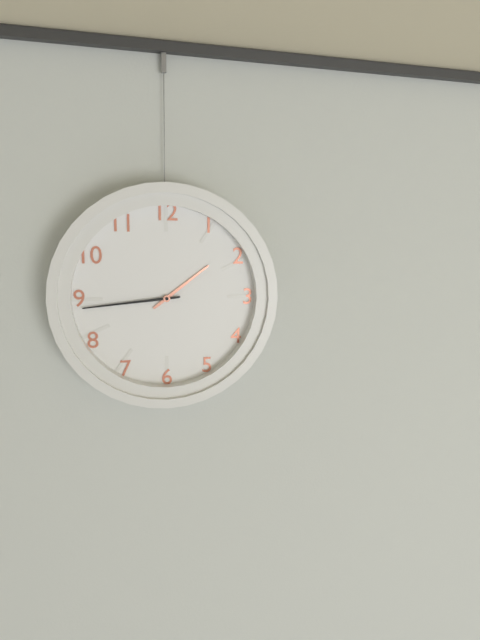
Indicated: 1:44
